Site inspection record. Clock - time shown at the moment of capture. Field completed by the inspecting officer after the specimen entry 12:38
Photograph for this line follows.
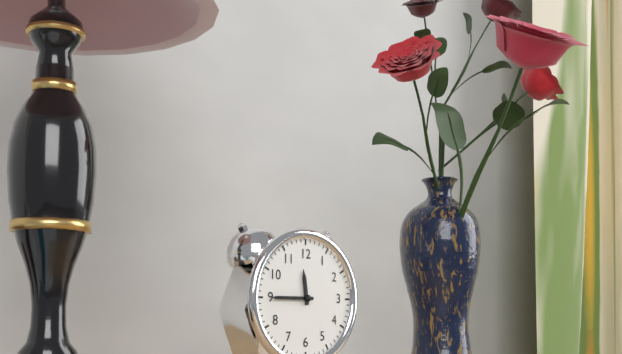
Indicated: 11:45
